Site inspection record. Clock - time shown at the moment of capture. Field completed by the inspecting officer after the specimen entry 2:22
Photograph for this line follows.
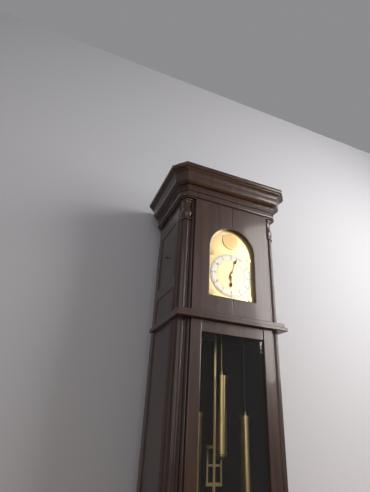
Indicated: 6:03
